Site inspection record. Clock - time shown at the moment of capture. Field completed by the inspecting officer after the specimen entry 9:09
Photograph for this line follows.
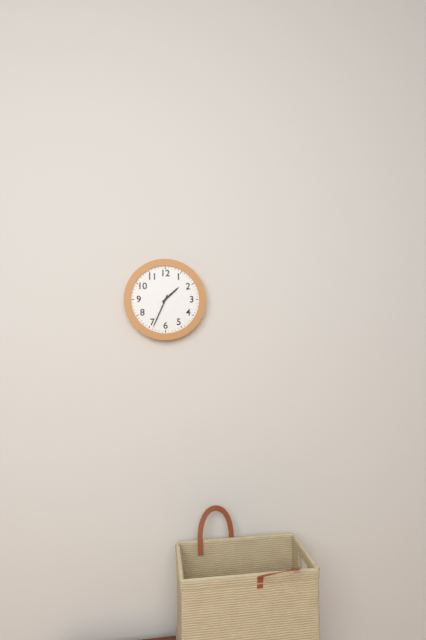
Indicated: 1:34
